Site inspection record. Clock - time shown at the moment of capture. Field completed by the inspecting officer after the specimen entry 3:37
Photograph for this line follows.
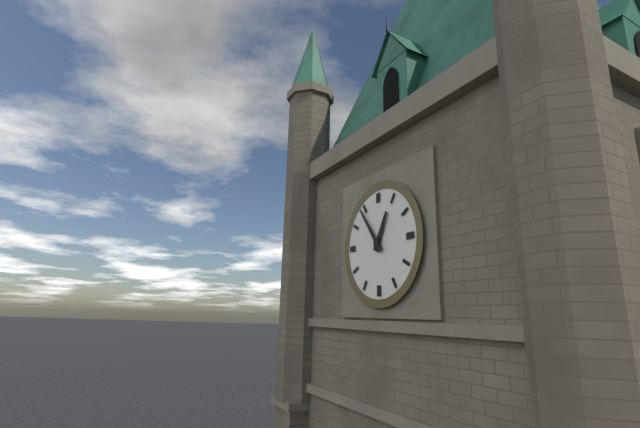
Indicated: 12:54
